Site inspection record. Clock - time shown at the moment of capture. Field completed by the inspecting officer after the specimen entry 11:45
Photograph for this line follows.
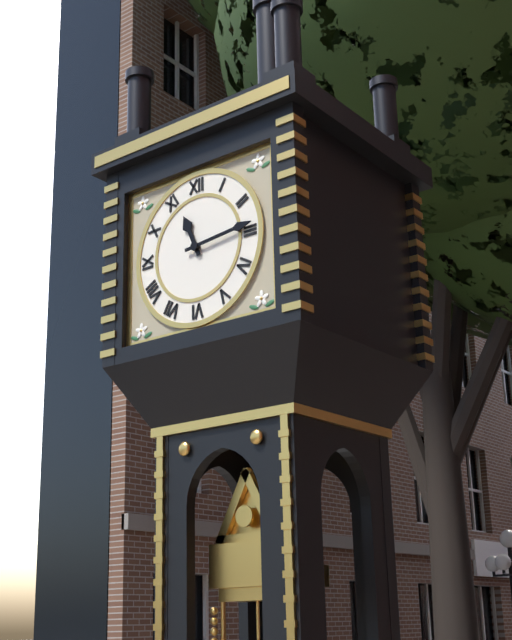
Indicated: 11:14
